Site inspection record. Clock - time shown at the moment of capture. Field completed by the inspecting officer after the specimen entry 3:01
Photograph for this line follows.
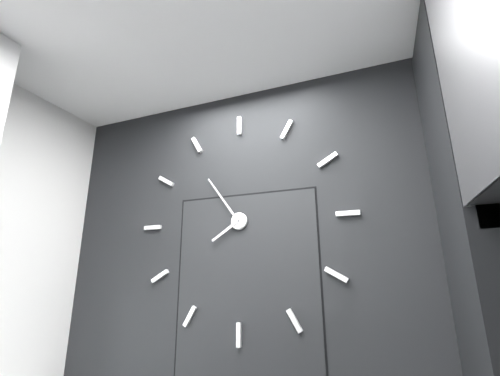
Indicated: 7:54
